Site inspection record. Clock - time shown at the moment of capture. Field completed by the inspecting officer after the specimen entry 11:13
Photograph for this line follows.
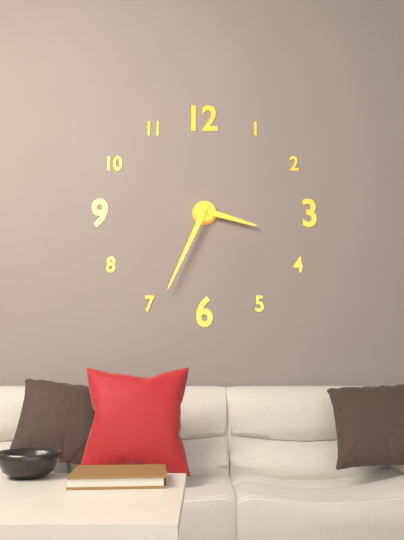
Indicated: 3:34
